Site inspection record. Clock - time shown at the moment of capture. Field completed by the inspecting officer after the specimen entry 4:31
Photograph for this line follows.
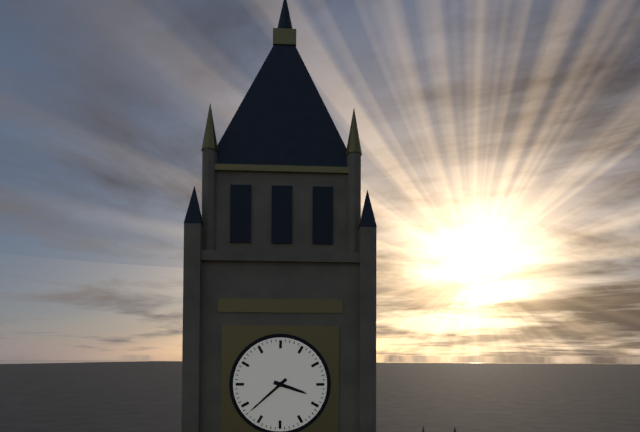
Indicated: 3:38
